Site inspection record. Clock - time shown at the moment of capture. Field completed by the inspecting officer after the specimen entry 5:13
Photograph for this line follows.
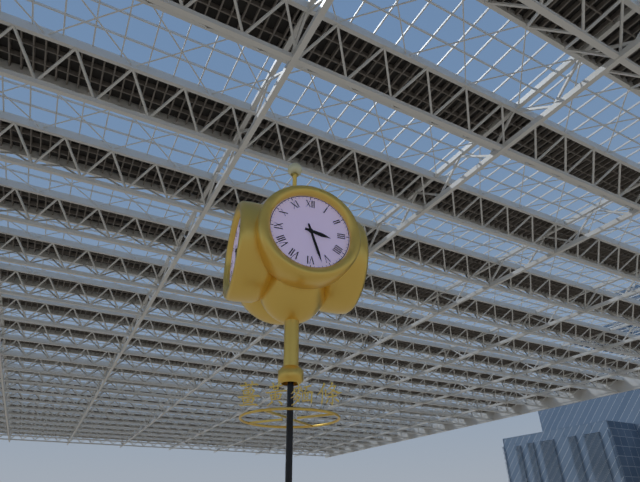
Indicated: 3:27
